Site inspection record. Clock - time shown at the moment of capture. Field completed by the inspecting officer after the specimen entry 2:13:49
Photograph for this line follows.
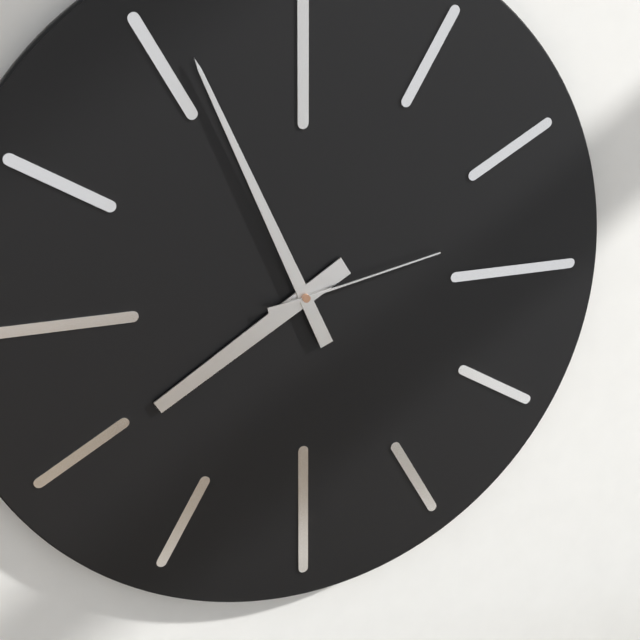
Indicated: 7:56:13
